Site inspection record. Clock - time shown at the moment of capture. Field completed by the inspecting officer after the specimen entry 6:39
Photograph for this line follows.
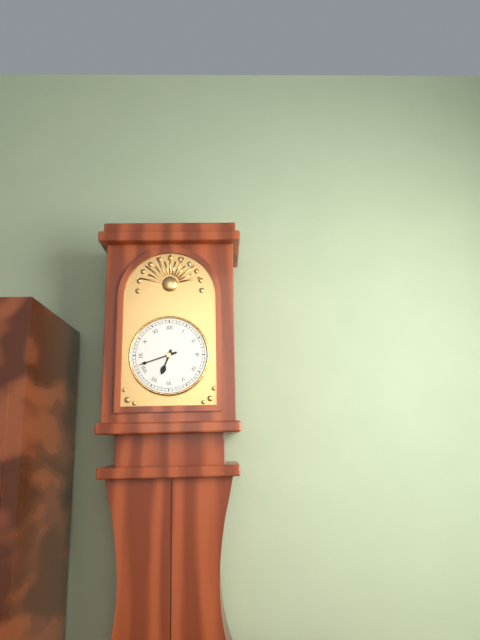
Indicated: 6:42
